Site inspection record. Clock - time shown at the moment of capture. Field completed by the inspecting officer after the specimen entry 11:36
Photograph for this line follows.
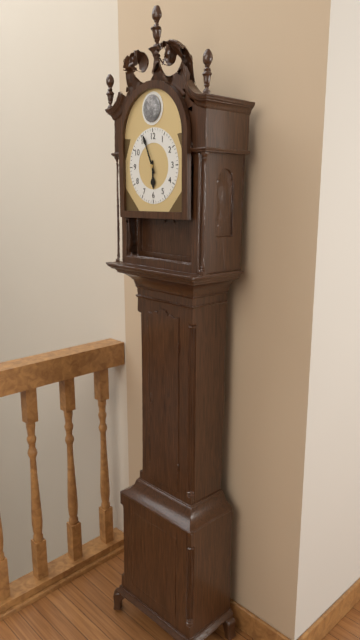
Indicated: 5:56
